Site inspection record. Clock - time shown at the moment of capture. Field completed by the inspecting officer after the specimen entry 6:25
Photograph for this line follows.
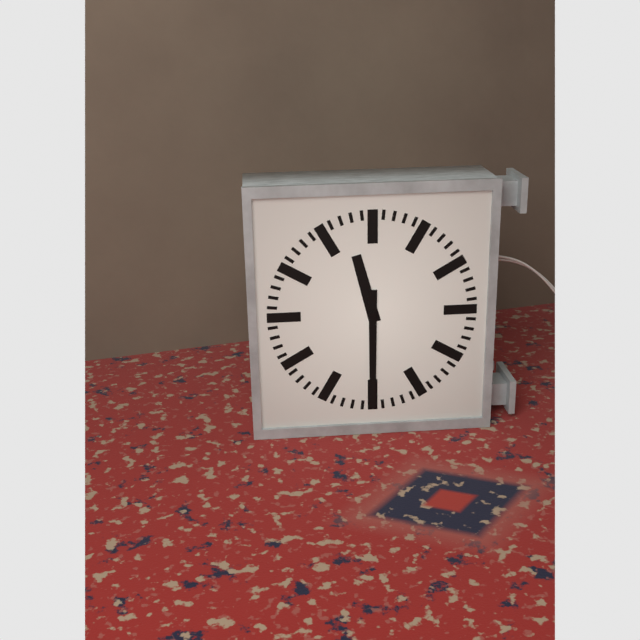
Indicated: 11:30
